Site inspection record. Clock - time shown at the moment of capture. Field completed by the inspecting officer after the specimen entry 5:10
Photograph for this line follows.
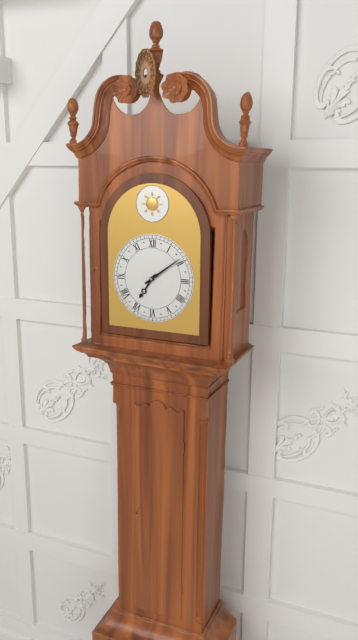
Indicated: 7:09
